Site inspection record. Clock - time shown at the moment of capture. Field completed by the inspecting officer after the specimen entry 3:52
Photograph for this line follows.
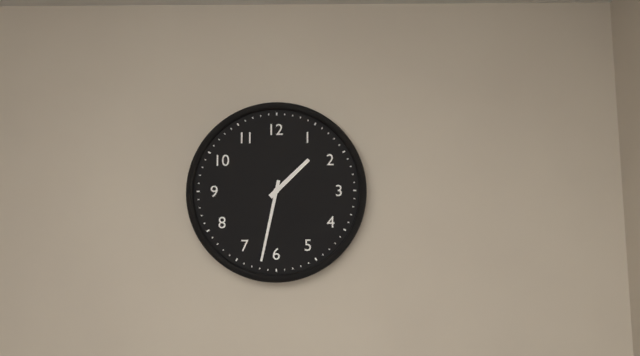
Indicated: 1:32
